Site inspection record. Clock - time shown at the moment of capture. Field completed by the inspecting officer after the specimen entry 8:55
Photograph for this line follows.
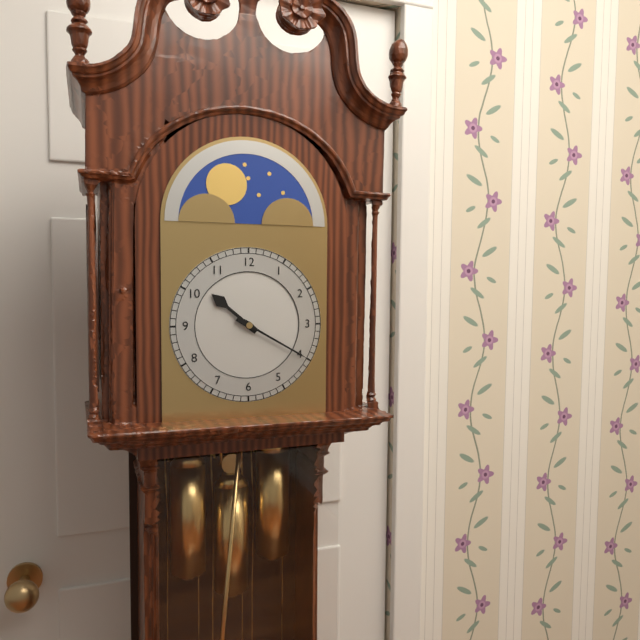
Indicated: 10:20
